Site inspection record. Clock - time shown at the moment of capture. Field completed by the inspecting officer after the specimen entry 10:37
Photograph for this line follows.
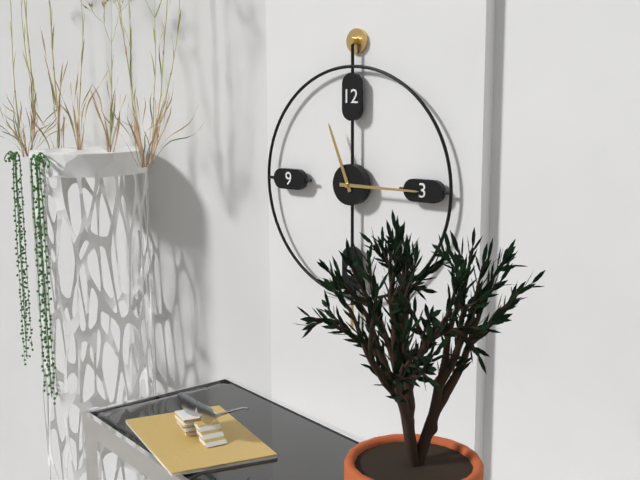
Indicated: 11:15
